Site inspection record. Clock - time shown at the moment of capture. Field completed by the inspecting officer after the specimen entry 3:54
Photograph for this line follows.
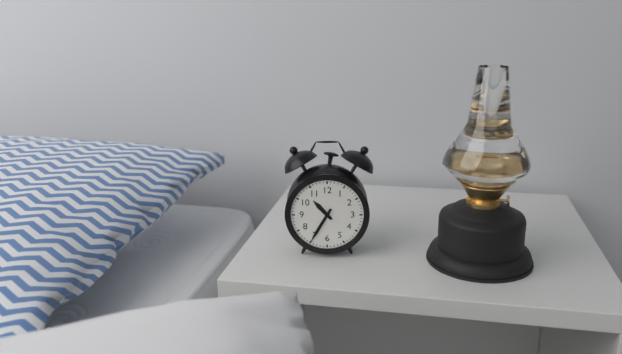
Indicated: 10:35
